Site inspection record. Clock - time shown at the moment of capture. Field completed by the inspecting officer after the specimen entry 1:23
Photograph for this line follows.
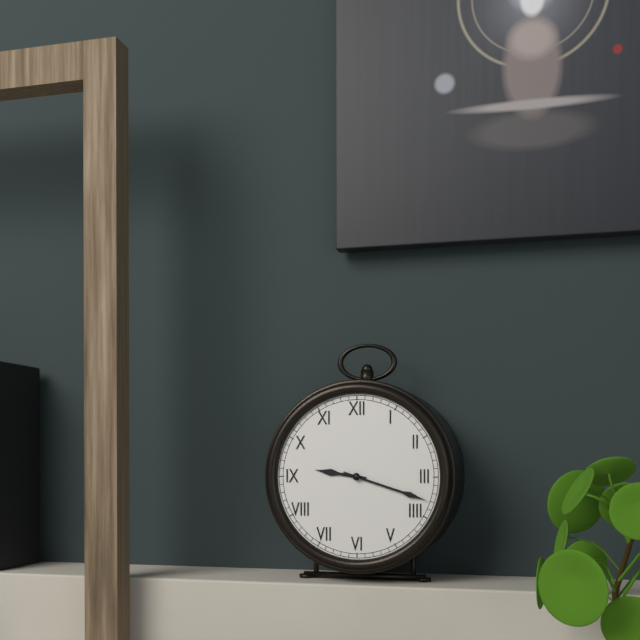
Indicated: 9:18
